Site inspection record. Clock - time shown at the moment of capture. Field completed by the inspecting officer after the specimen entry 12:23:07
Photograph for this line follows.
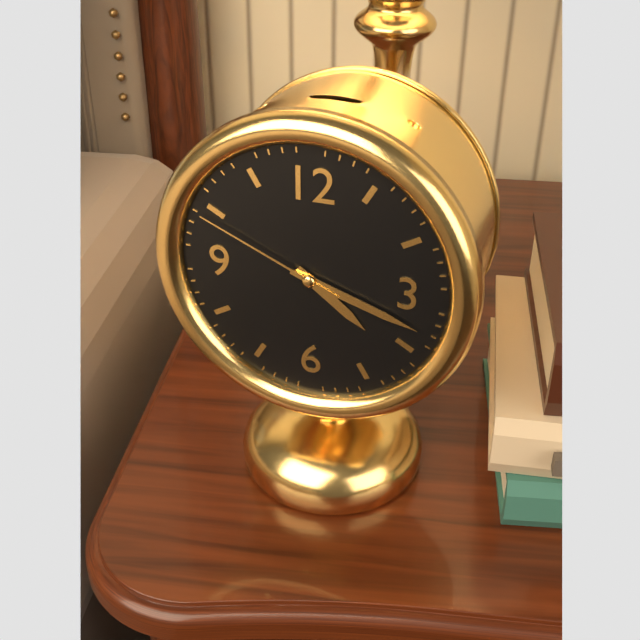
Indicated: 4:18:49
